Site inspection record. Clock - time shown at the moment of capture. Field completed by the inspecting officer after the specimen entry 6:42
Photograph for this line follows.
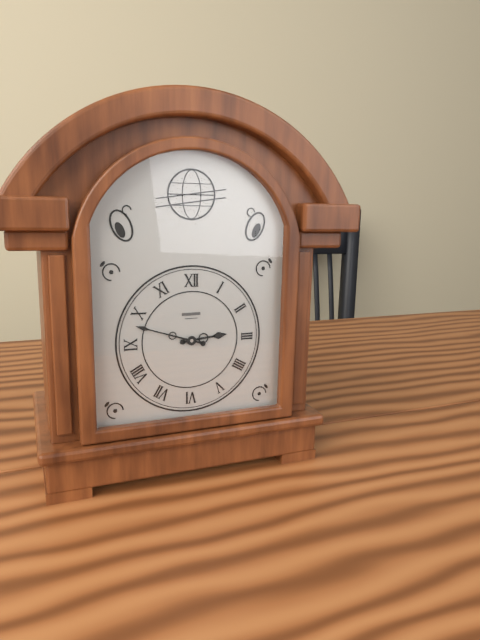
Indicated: 2:48
